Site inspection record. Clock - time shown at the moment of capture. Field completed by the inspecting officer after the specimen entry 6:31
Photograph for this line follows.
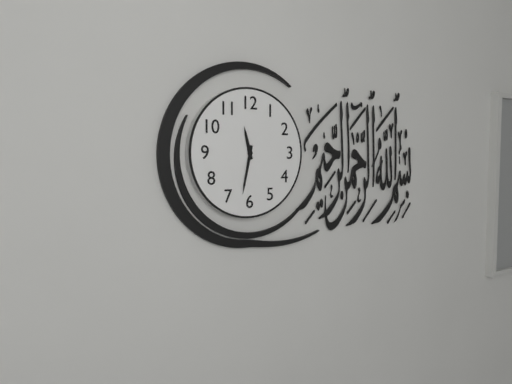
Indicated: 11:32
